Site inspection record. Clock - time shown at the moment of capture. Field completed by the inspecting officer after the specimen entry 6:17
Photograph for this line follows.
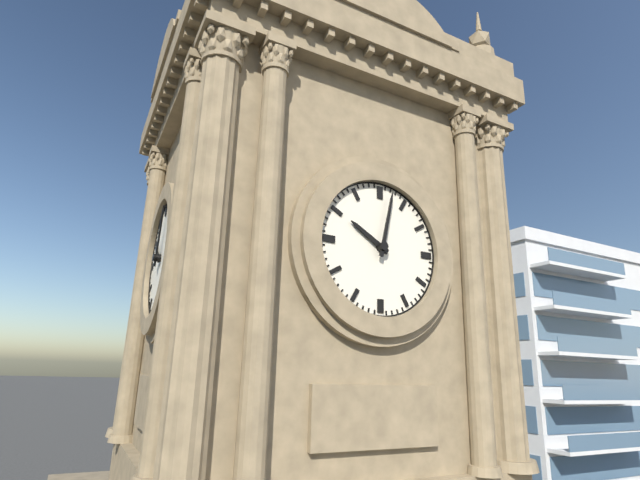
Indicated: 10:02
